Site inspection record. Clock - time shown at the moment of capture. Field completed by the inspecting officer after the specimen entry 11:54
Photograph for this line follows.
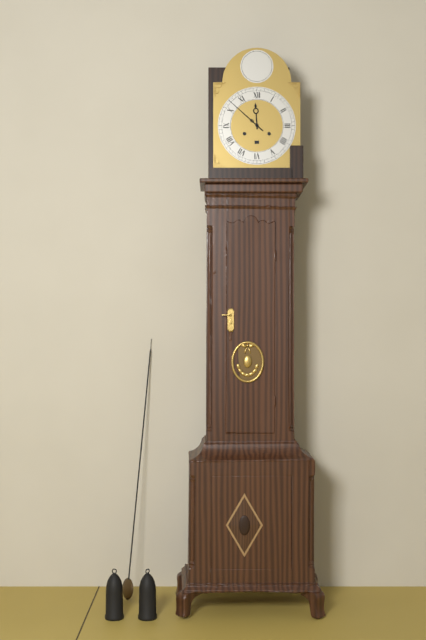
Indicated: 11:52
